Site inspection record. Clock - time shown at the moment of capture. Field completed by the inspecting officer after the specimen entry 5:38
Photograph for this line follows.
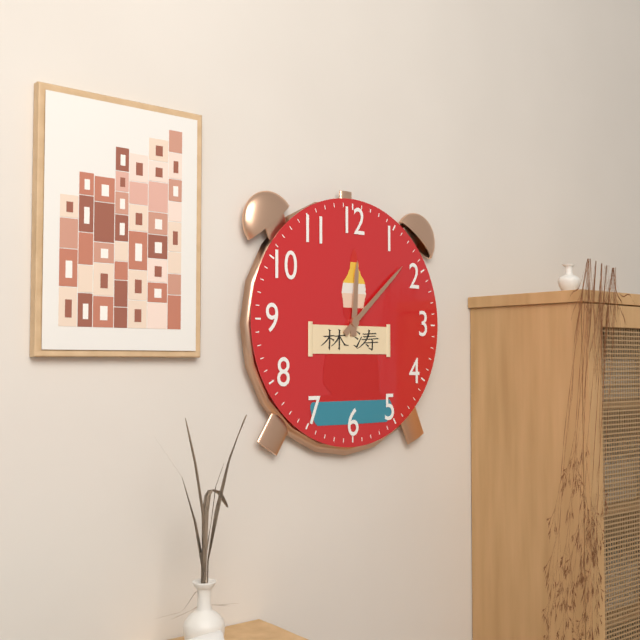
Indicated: 12:08
